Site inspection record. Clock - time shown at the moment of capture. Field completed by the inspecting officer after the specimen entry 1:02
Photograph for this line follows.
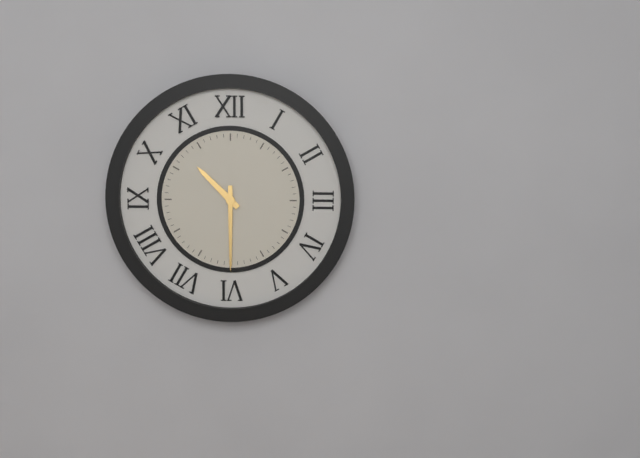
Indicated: 10:30
